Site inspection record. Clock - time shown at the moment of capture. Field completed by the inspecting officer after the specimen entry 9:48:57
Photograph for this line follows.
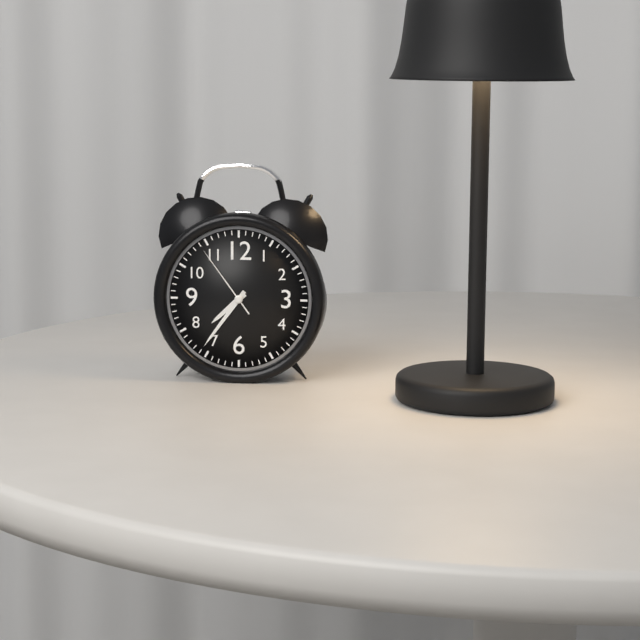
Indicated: 7:36:54
